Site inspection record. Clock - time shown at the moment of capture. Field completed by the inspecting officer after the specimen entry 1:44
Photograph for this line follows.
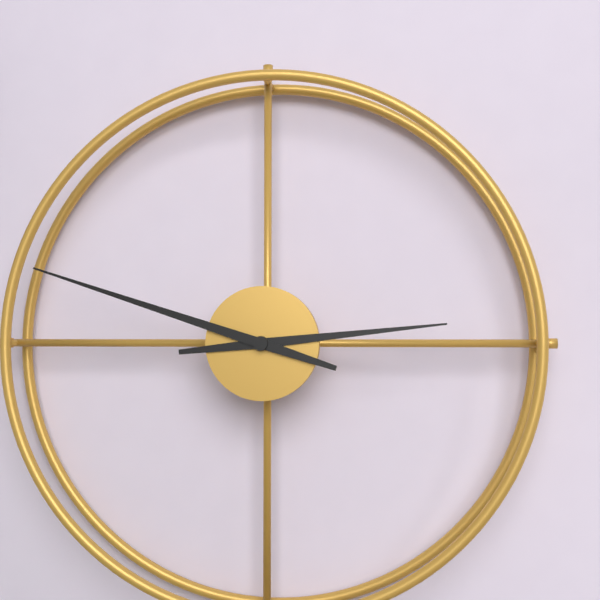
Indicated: 2:48
